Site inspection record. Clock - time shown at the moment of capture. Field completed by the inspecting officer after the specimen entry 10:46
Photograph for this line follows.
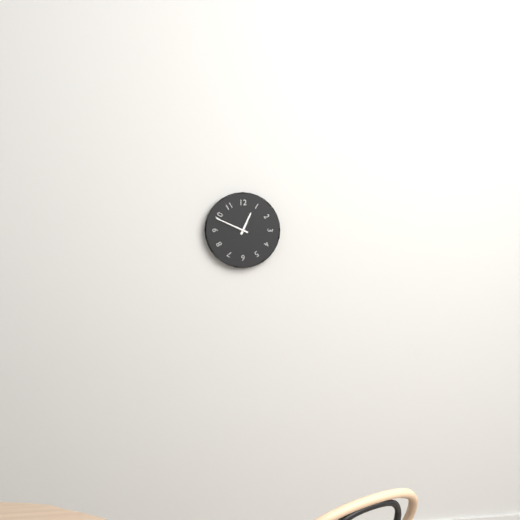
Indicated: 12:49
